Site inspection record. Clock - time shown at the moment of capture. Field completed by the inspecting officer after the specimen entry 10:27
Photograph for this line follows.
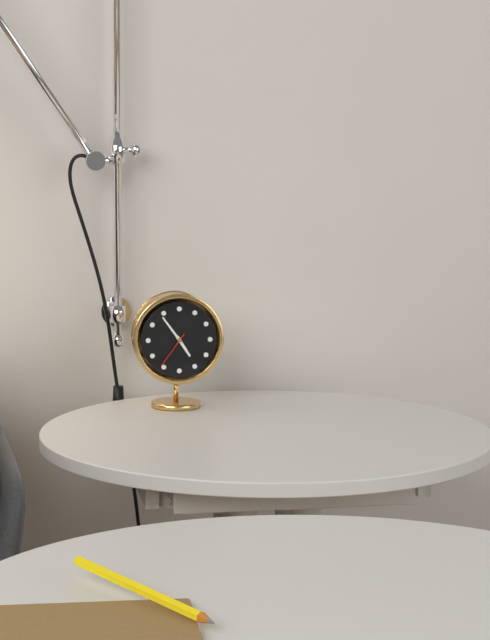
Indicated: 4:54
